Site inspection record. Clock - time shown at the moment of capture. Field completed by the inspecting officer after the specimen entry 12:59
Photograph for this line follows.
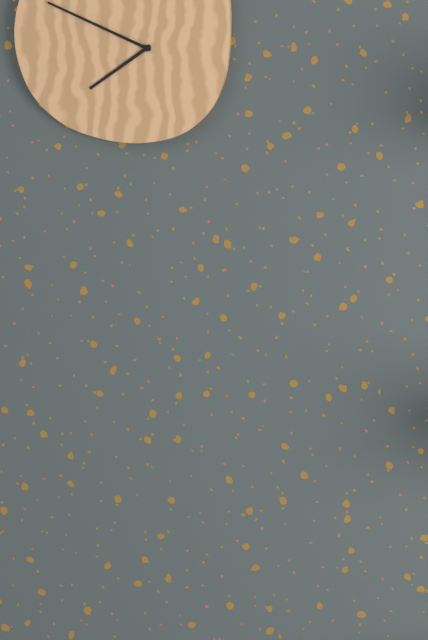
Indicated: 7:49
